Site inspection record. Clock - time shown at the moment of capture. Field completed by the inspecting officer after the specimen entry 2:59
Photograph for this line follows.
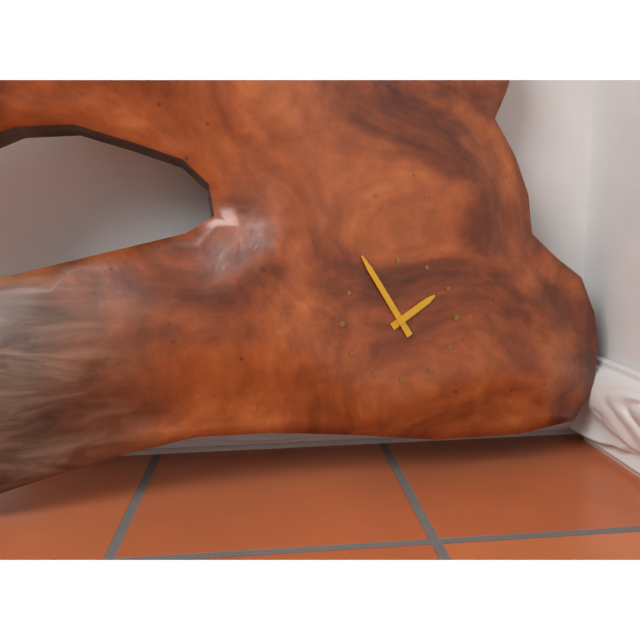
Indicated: 1:55
